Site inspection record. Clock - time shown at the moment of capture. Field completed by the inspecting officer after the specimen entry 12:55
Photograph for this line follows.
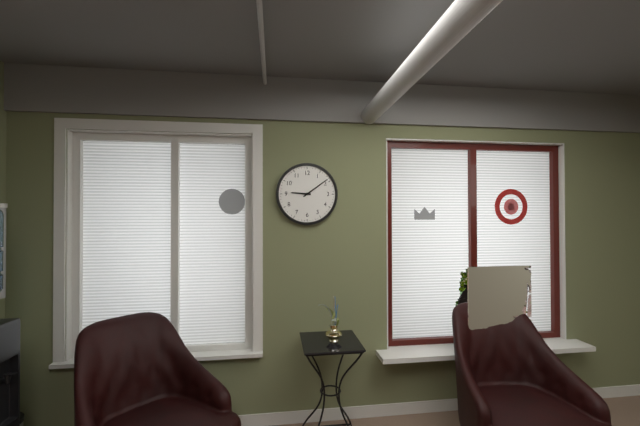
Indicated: 9:09
